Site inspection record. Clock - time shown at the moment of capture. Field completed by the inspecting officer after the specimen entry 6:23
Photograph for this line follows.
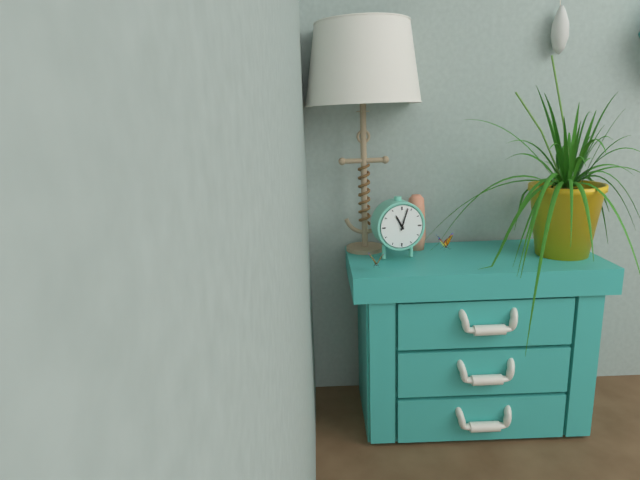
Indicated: 11:03
